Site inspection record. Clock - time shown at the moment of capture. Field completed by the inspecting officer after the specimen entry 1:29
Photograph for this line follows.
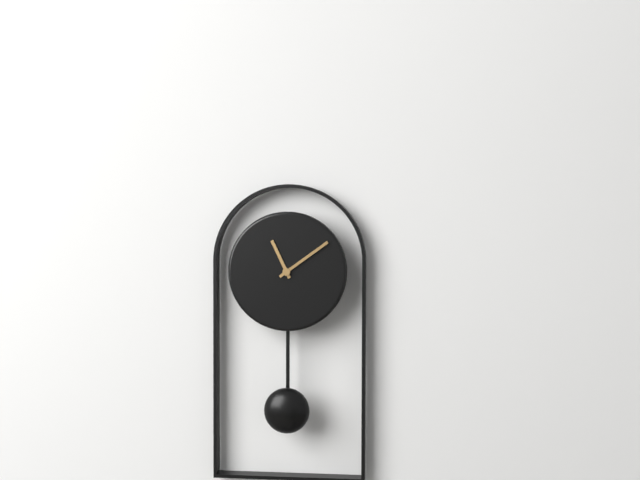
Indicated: 11:09
